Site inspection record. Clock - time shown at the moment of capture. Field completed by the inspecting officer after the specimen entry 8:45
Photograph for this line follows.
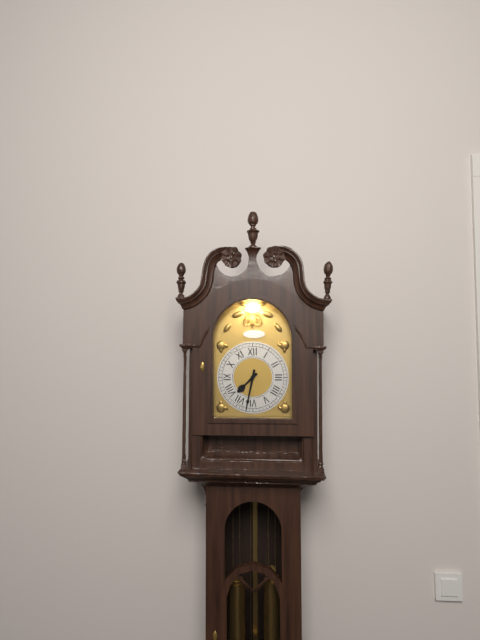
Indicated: 7:32
